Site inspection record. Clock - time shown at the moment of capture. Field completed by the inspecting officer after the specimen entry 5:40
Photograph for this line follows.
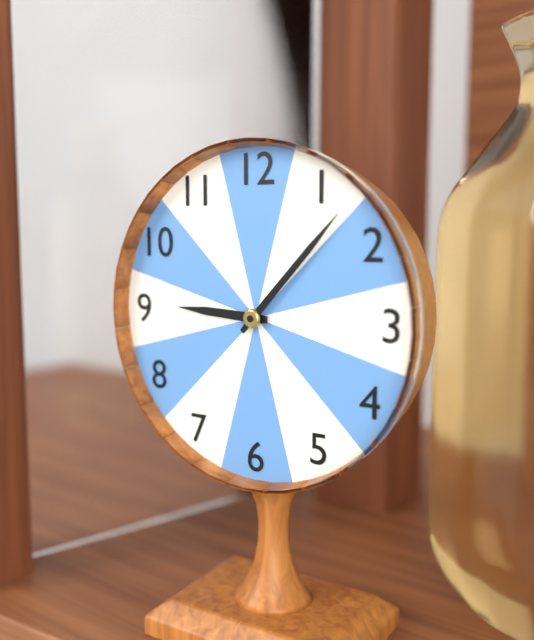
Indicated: 9:07
